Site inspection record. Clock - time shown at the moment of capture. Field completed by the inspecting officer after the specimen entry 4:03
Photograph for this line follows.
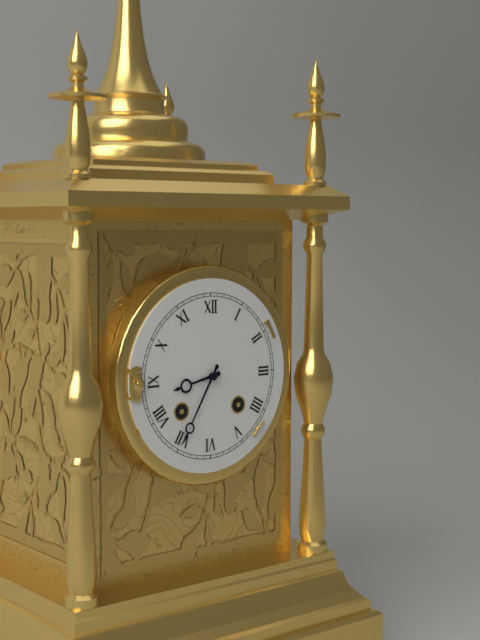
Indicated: 8:35
